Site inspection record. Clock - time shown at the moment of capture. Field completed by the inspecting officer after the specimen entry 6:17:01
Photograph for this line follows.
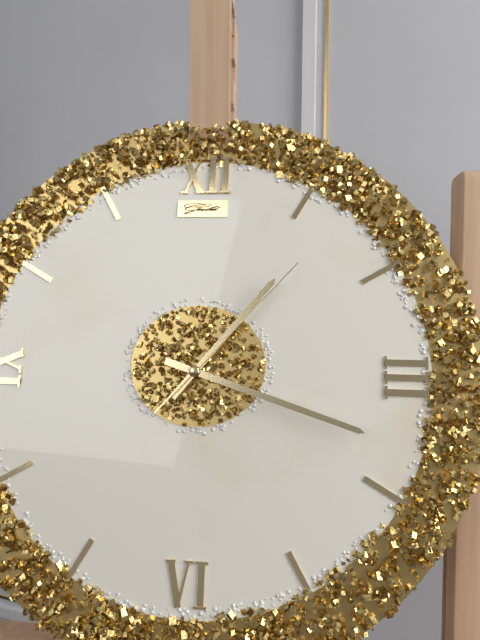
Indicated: 1:18:07
